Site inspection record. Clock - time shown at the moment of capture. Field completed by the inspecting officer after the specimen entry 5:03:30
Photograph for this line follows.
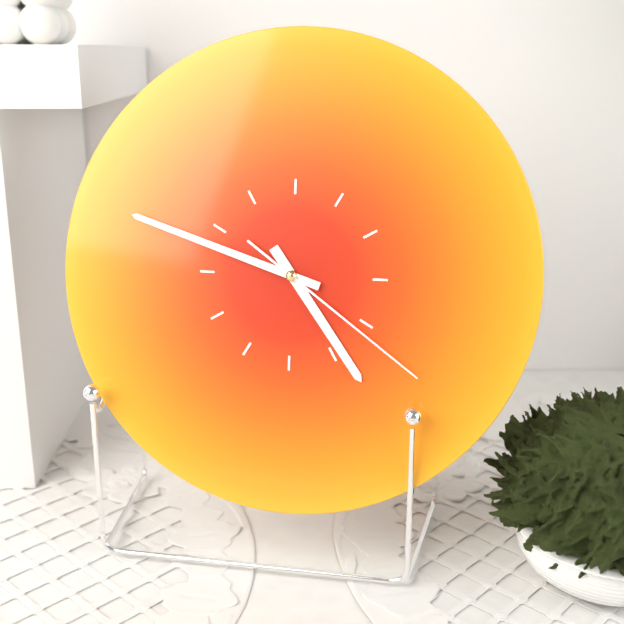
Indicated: 4:48:21
